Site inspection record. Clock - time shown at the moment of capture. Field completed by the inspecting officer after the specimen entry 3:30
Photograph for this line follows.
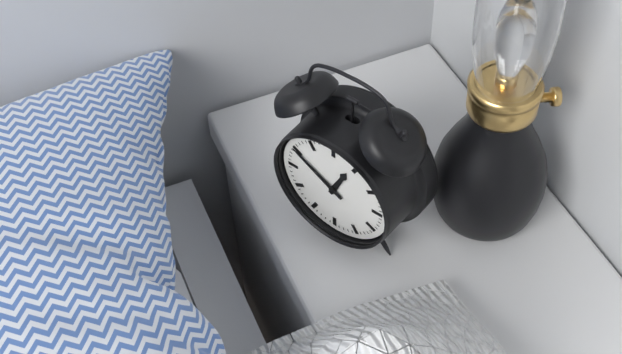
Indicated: 12:50
